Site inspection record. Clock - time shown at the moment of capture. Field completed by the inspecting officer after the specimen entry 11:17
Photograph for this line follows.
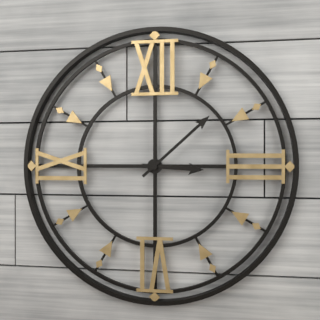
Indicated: 3:08
